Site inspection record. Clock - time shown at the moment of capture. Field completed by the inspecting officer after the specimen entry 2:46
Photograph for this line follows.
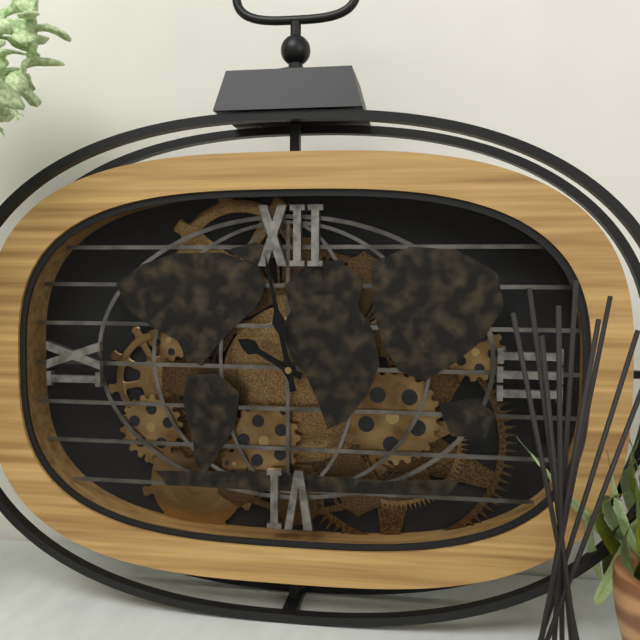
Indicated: 9:58
